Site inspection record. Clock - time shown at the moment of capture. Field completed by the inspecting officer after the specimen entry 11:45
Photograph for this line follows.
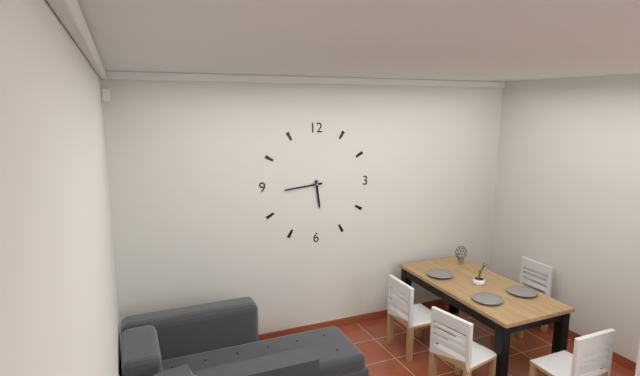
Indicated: 5:44
